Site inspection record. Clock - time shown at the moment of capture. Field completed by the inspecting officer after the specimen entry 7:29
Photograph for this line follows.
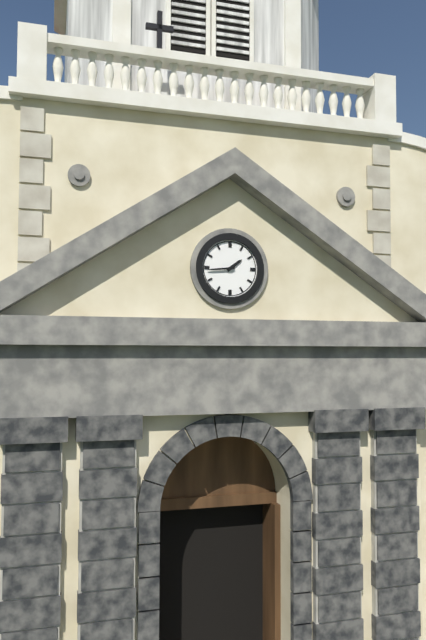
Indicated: 1:44
